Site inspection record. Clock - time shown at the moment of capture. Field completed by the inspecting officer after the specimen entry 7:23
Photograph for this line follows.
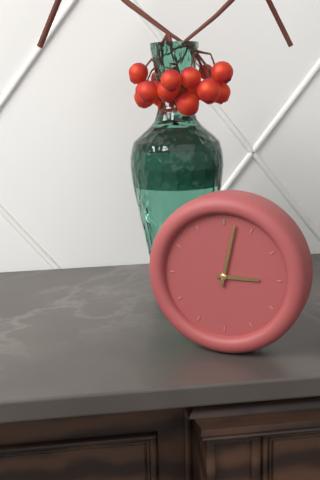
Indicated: 3:02
